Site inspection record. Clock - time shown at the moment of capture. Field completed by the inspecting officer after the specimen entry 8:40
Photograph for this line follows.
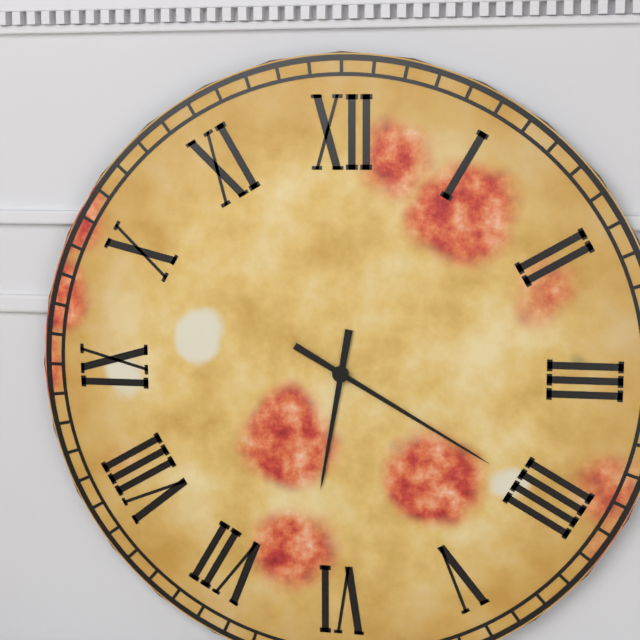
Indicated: 6:20
